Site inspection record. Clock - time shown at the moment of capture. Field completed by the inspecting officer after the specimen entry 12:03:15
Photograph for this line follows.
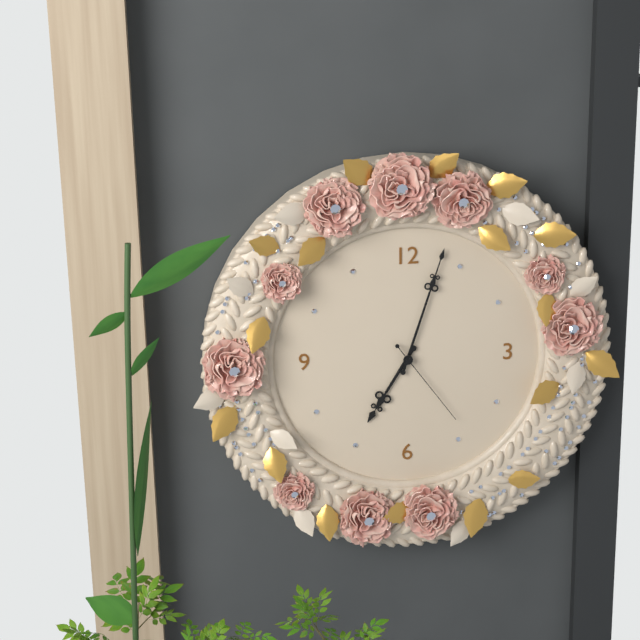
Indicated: 7:03:24
